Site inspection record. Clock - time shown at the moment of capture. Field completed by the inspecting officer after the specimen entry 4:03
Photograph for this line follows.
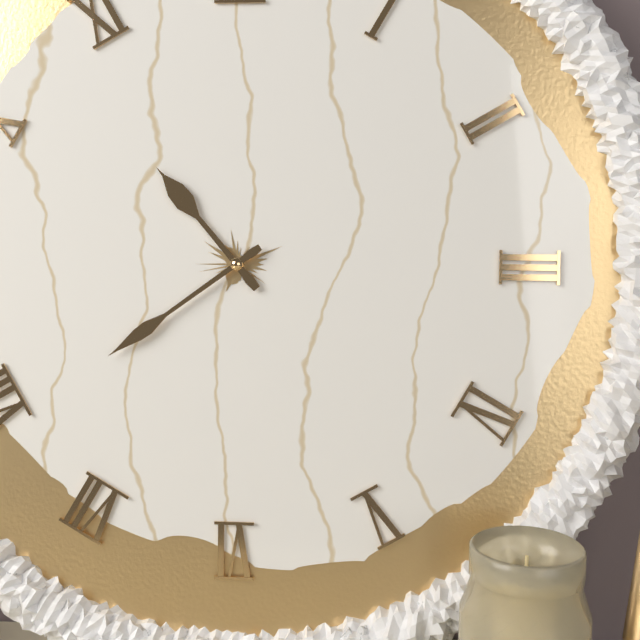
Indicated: 10:39
